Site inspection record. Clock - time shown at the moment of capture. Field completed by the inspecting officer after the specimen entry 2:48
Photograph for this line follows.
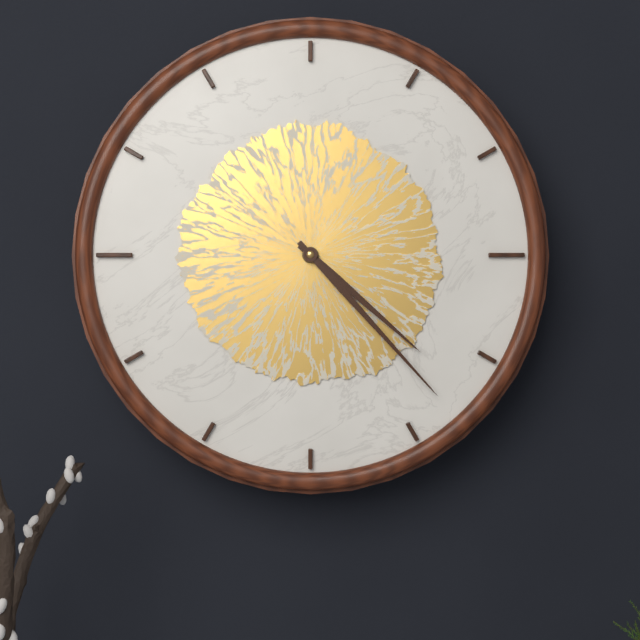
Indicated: 4:23
